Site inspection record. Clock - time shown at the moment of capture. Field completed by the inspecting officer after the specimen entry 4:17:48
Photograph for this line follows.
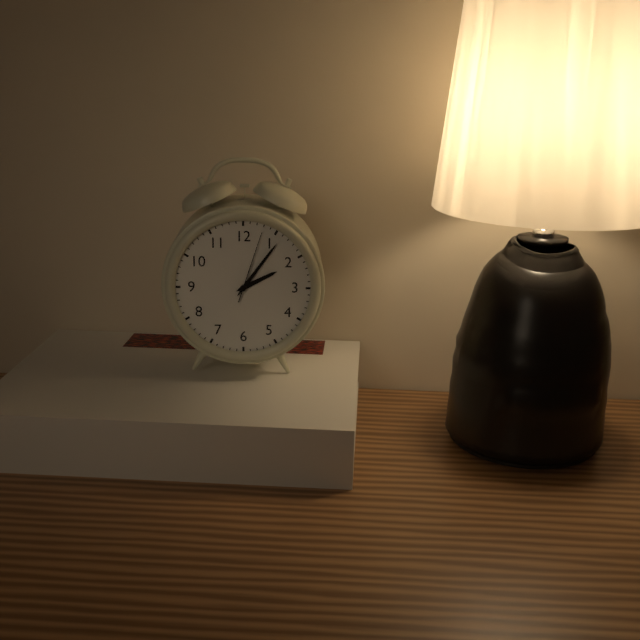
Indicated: 2:06:03
